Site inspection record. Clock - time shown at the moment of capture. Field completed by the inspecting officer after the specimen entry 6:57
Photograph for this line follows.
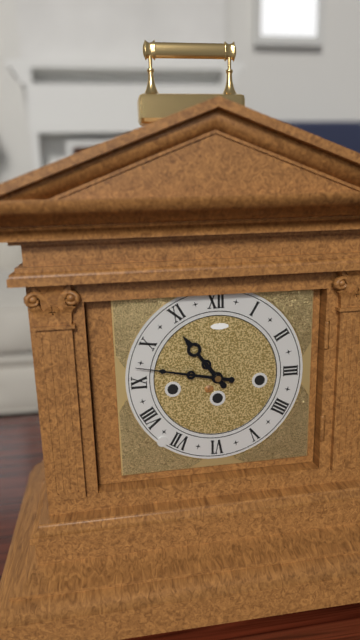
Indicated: 10:47
